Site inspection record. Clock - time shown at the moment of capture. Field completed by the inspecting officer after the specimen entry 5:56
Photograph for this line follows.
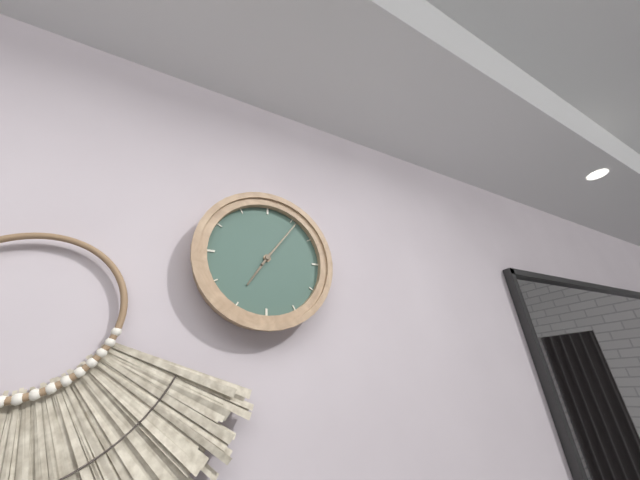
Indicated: 7:06
